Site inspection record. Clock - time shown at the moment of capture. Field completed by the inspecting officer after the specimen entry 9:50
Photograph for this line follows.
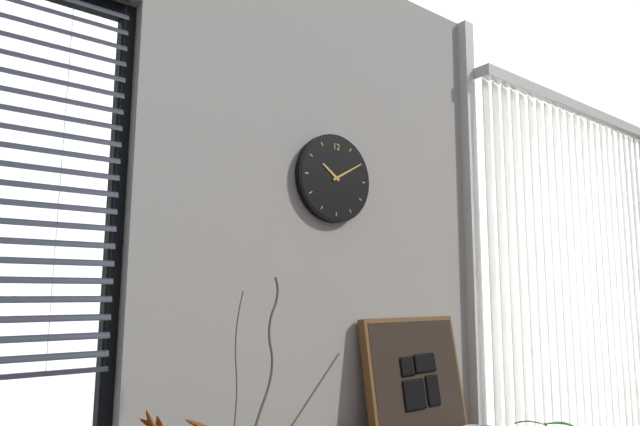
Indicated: 10:10
